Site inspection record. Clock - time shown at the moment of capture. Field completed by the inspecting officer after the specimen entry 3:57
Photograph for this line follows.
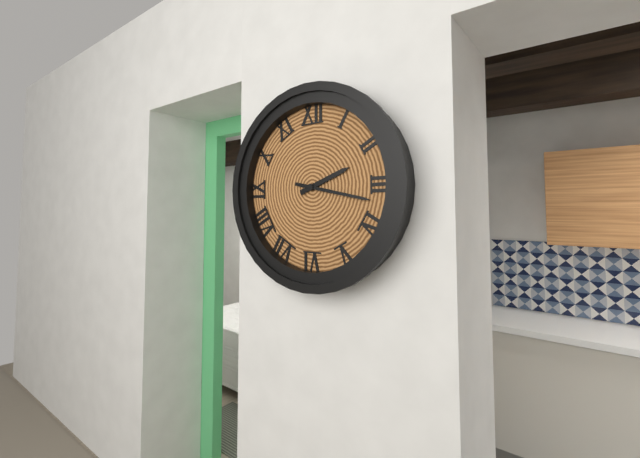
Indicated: 2:17
